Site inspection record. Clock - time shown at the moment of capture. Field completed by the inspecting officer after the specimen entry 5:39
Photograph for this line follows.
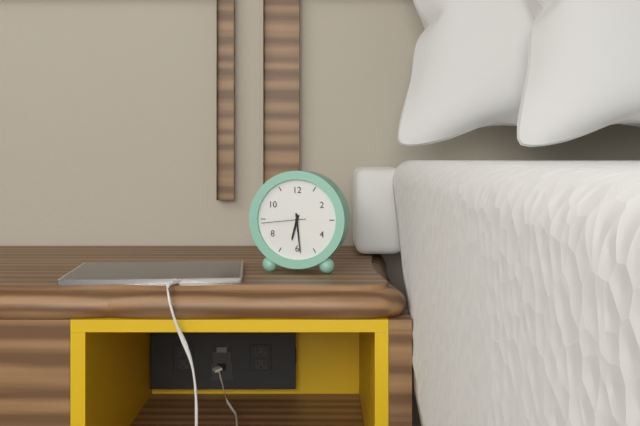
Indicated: 6:29
